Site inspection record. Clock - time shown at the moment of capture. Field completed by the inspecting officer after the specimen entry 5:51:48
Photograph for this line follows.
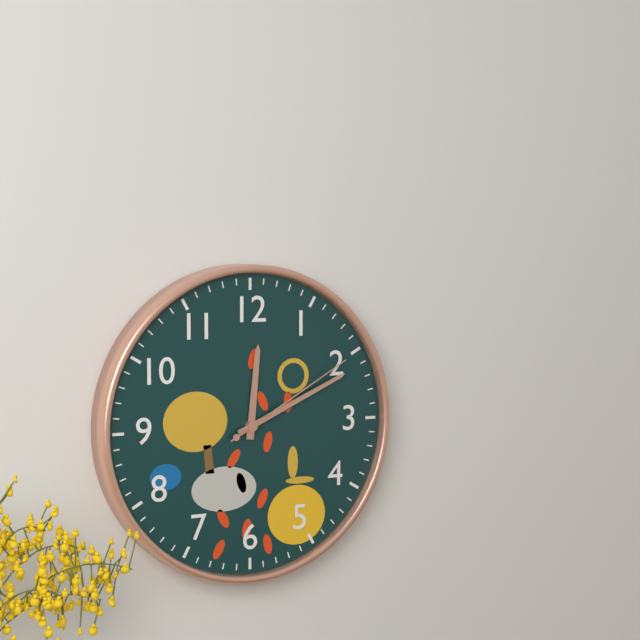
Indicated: 12:11:10
